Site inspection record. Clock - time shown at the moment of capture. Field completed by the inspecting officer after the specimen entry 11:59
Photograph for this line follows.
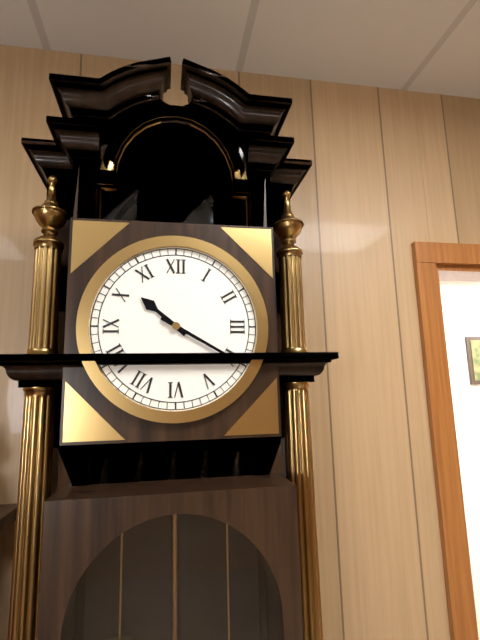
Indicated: 10:20
